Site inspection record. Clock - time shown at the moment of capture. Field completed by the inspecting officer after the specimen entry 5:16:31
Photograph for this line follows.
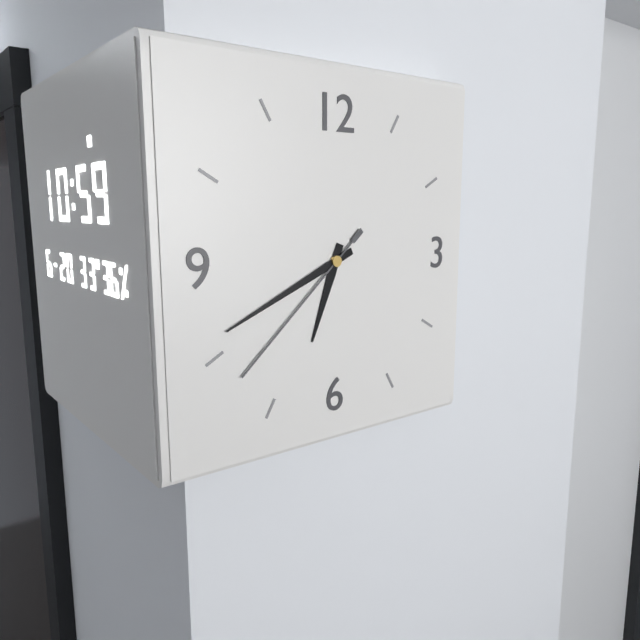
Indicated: 6:41:38
